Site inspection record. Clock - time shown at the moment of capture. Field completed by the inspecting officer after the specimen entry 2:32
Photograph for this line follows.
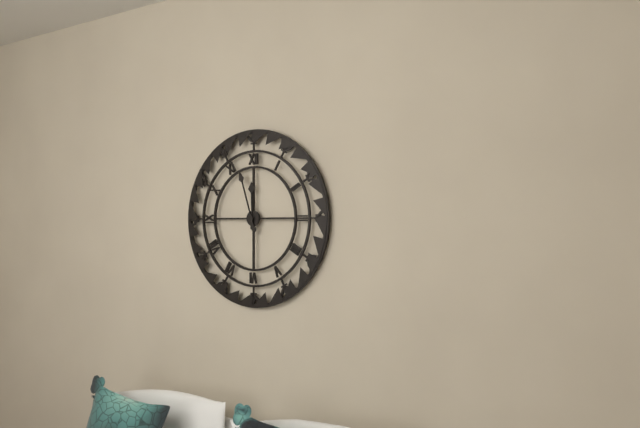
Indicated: 11:57
